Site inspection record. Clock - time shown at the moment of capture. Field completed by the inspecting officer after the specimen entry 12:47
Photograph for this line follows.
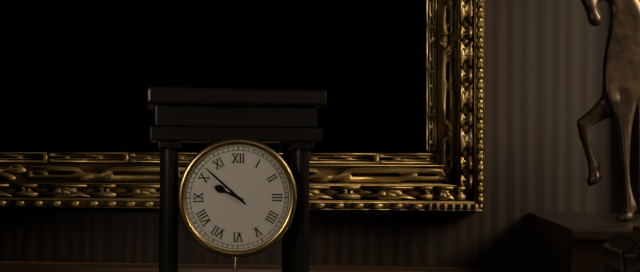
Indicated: 9:52
